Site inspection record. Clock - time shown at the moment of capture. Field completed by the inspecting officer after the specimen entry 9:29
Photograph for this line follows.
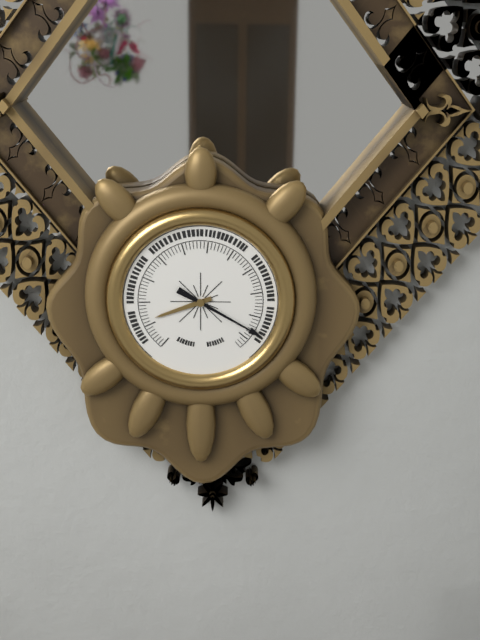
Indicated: 8:20
